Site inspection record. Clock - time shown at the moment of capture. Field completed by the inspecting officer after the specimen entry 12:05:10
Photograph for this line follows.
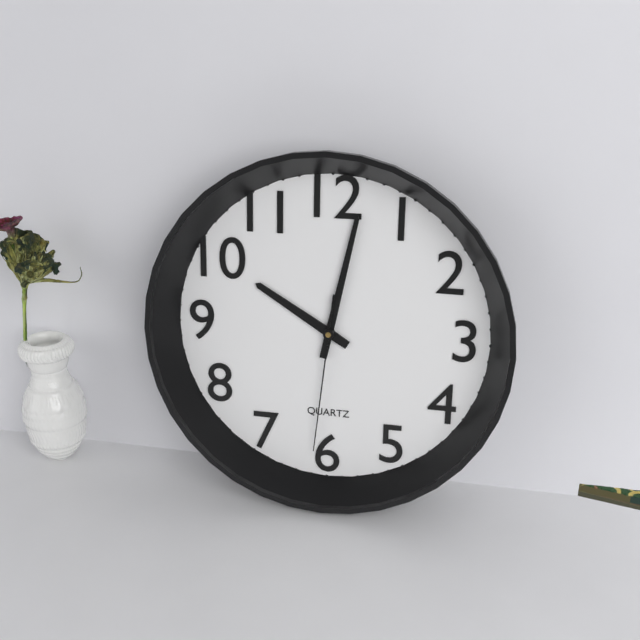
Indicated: 10:02:31
